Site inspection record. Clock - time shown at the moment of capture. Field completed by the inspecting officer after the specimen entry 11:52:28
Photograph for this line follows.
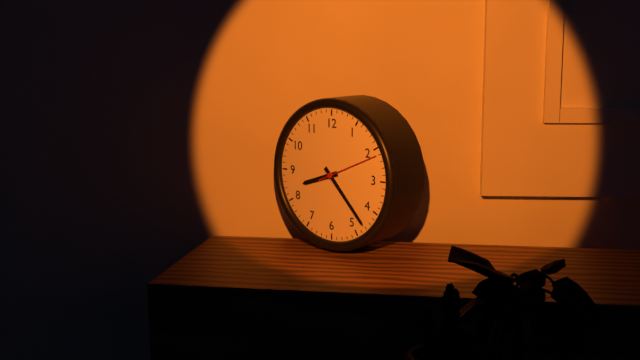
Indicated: 8:23:11
